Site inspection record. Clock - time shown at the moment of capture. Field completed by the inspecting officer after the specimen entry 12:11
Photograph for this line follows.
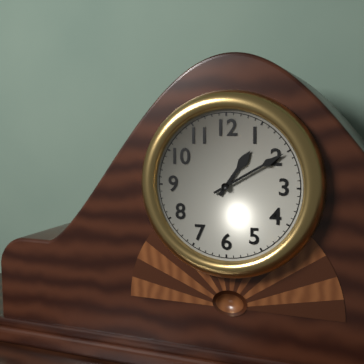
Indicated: 1:10
